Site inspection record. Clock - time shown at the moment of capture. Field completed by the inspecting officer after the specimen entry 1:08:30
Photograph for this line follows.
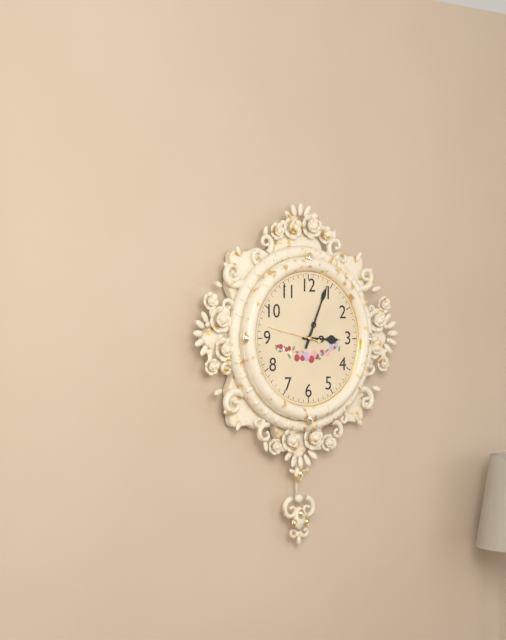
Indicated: 3:04:47
